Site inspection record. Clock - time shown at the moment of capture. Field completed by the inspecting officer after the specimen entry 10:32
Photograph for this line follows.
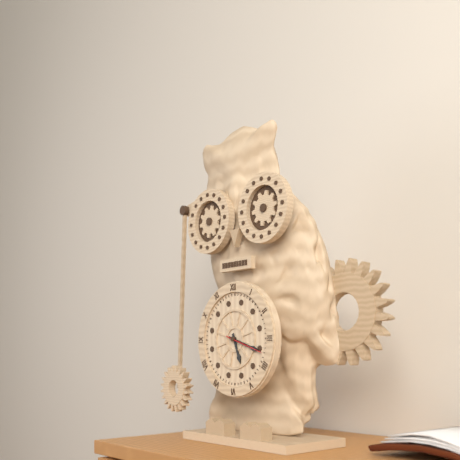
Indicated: 5:18
